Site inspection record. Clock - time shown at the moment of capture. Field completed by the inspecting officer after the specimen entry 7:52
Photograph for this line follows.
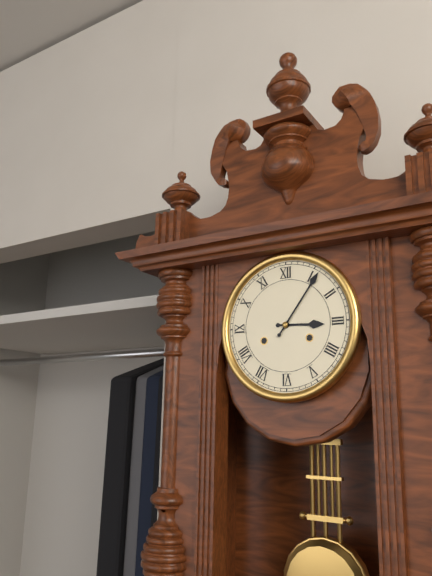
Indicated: 3:06
